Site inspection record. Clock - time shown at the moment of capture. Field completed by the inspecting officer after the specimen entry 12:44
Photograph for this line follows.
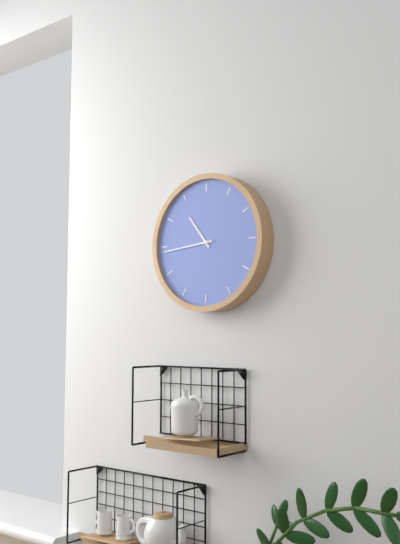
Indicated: 10:44
